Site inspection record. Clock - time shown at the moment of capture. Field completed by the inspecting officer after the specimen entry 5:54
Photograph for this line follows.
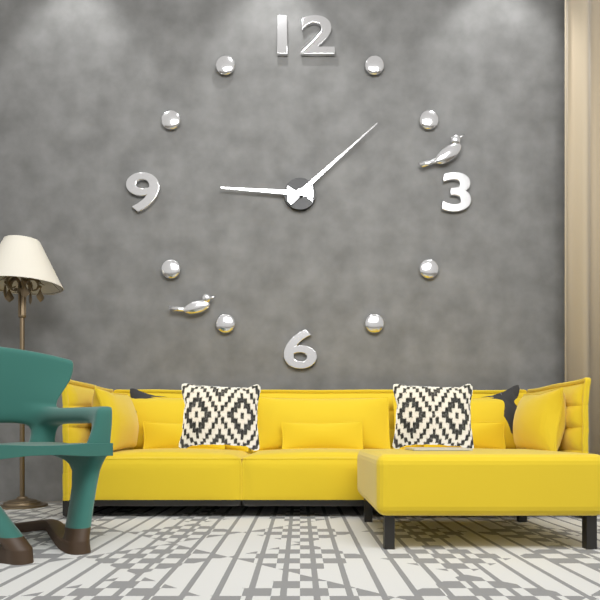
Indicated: 9:08
